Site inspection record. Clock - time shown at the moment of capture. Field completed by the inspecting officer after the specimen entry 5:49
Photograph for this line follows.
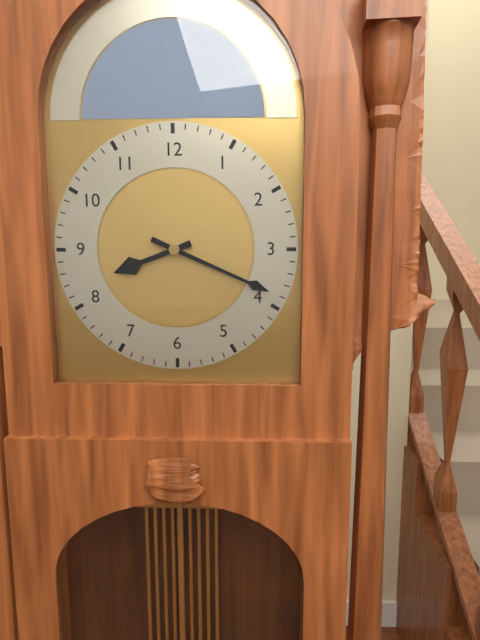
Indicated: 8:19
